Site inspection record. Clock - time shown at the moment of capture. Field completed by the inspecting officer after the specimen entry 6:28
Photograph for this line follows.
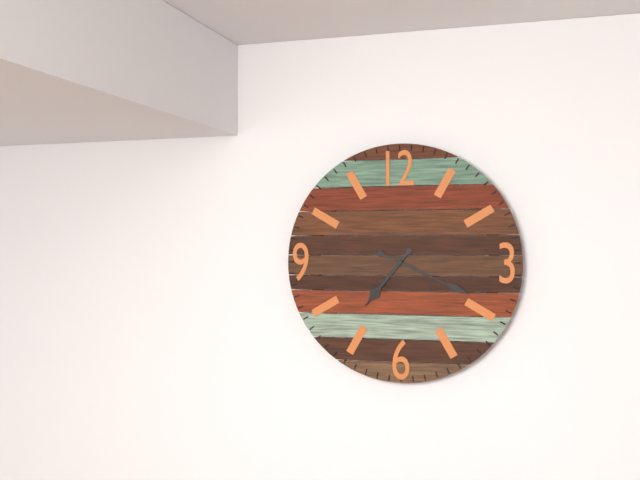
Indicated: 7:19
